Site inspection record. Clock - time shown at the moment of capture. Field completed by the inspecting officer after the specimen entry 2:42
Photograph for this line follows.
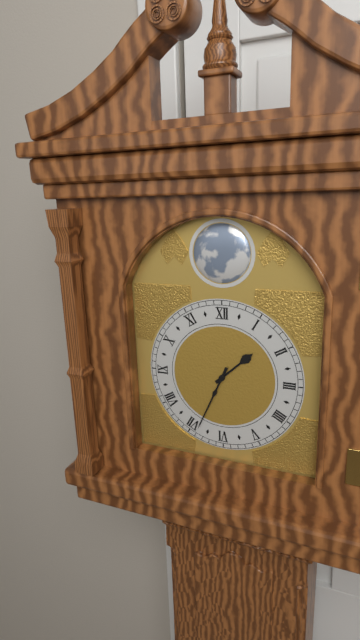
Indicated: 1:34
